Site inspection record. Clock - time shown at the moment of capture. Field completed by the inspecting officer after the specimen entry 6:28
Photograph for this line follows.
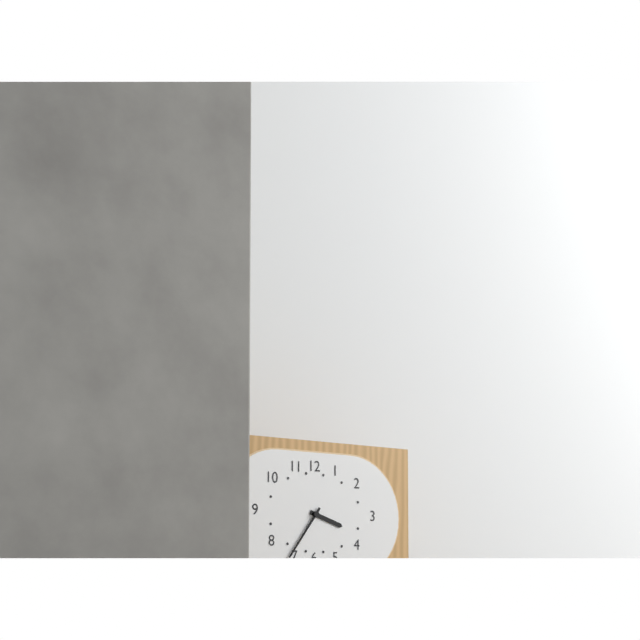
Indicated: 3:36
